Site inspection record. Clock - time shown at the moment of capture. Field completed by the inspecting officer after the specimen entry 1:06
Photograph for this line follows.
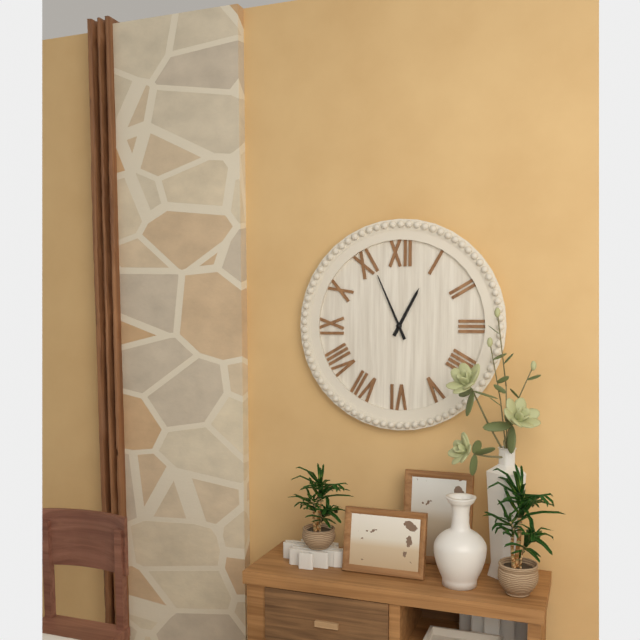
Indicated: 12:56
